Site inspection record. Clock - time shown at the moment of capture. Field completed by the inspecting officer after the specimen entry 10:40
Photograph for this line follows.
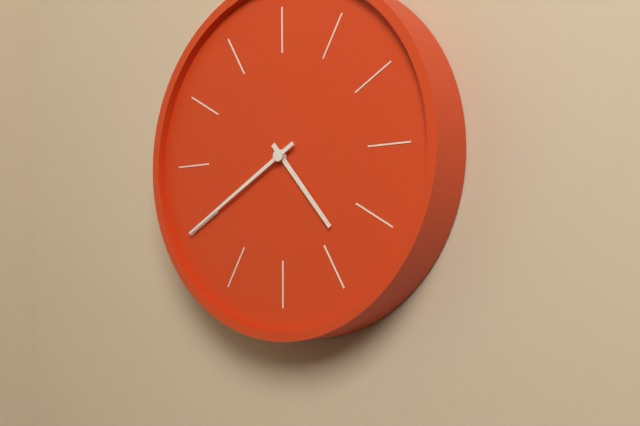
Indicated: 4:40
